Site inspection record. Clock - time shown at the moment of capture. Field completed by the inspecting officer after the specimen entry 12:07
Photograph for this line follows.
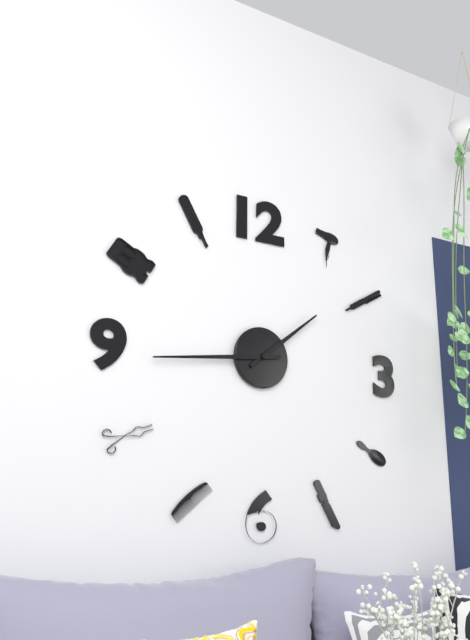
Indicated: 1:44
